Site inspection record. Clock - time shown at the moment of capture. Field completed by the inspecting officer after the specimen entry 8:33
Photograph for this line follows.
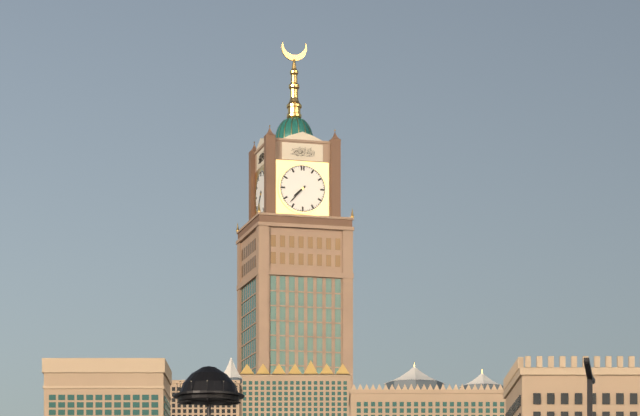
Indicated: 7:37
